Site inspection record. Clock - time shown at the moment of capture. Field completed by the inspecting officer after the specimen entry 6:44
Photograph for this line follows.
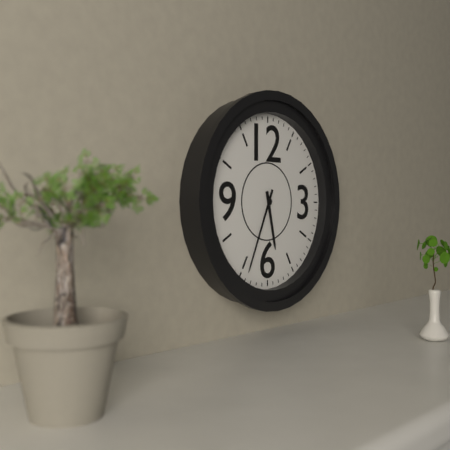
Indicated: 5:34
